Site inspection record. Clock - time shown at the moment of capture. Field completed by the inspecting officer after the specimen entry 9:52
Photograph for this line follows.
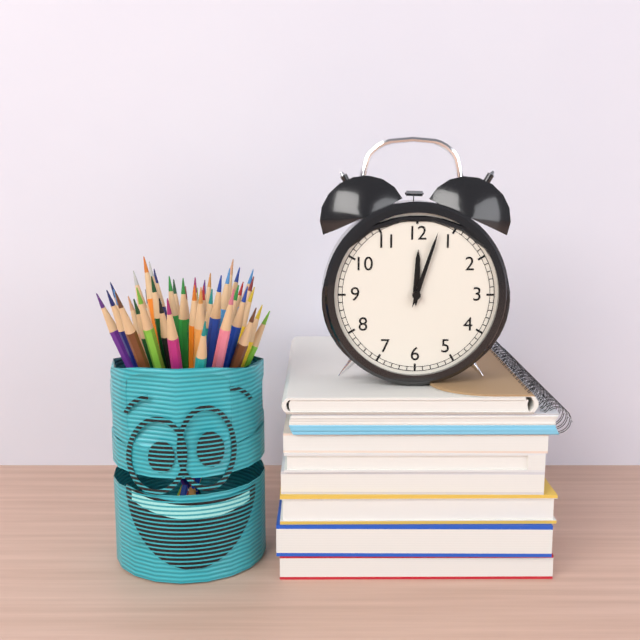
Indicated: 12:03
